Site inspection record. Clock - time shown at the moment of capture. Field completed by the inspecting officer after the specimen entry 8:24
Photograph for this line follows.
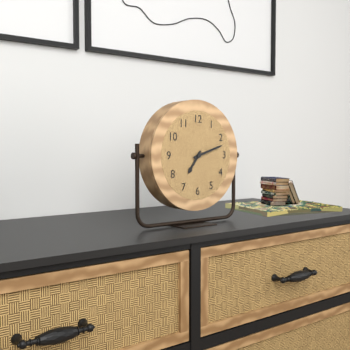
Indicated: 7:12
